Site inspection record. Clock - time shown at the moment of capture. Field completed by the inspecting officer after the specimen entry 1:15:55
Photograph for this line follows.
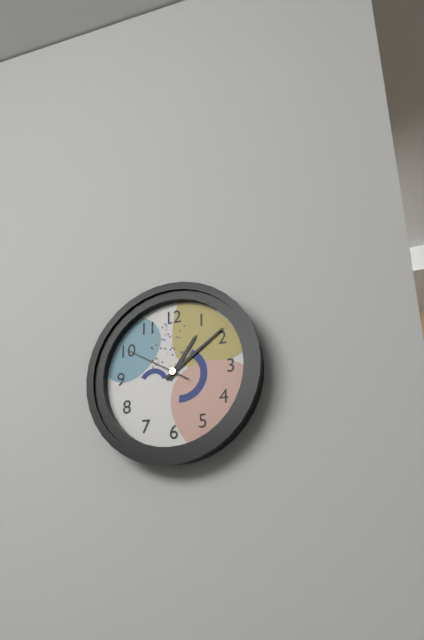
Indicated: 1:09:50
